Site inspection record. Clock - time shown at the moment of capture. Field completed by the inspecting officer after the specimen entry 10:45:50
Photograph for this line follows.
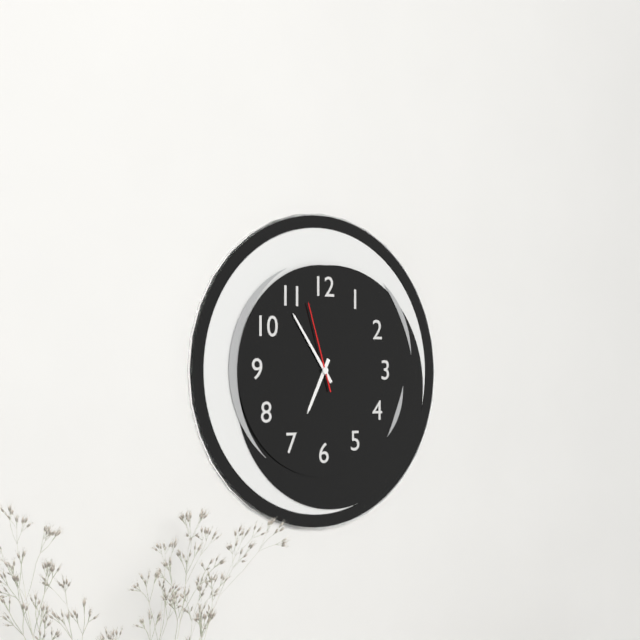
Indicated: 6:54:57
